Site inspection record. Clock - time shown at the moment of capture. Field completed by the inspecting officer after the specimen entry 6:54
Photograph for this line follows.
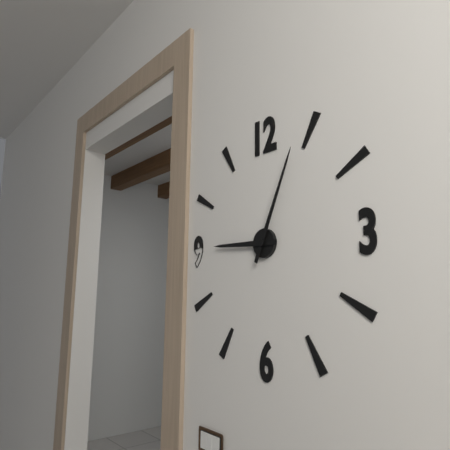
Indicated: 9:04
